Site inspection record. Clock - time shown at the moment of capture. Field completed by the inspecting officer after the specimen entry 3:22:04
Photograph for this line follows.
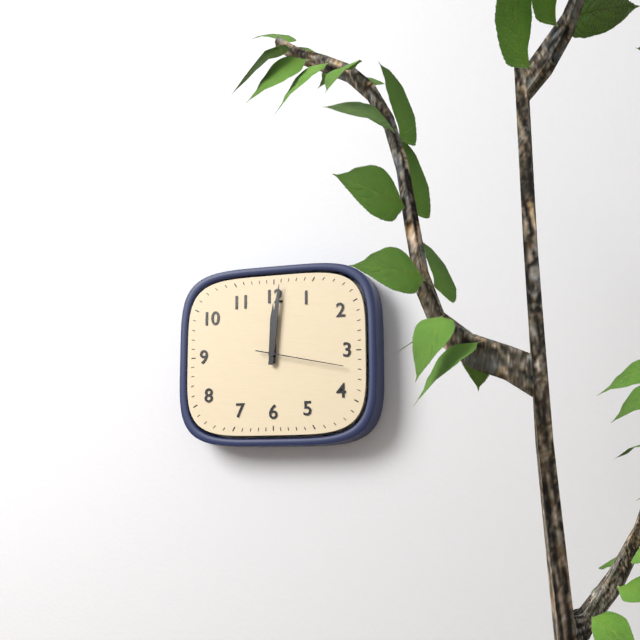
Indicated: 12:01:17
